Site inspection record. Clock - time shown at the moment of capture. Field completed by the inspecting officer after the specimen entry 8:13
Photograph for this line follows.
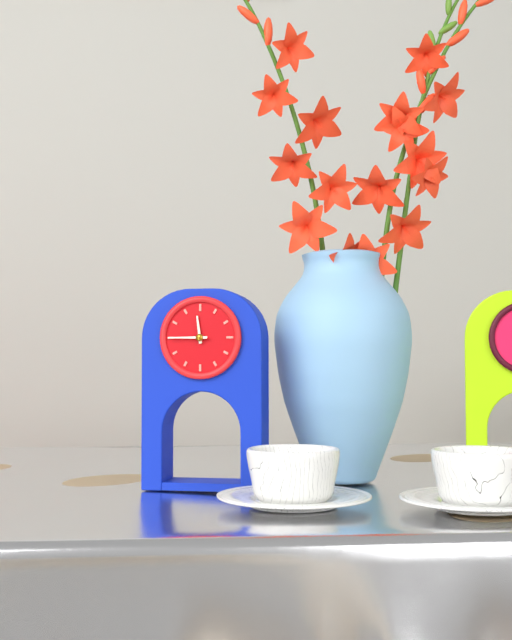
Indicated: 11:45
